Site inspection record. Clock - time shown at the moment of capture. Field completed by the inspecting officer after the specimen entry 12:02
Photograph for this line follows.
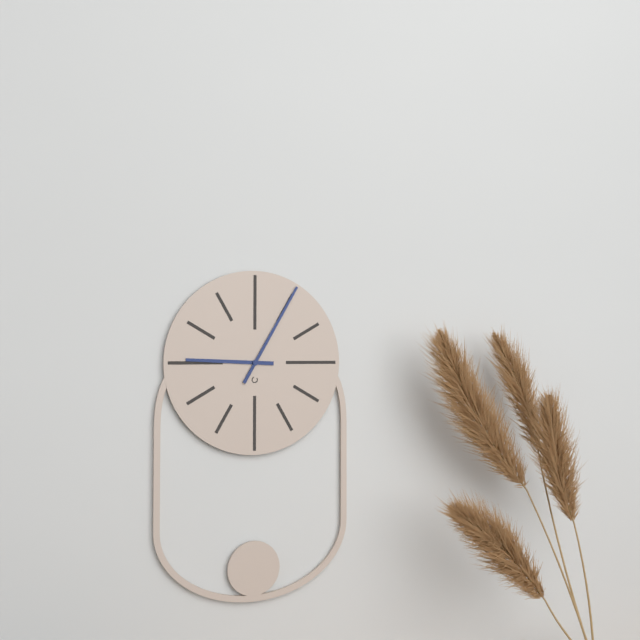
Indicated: 9:05
